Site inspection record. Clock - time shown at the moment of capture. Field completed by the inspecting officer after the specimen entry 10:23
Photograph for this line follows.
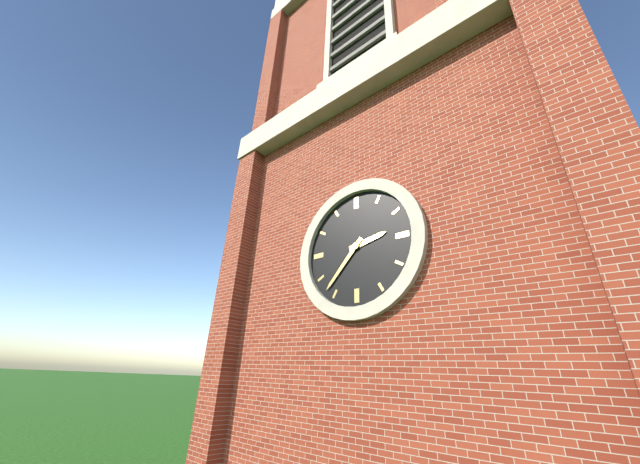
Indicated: 2:37
